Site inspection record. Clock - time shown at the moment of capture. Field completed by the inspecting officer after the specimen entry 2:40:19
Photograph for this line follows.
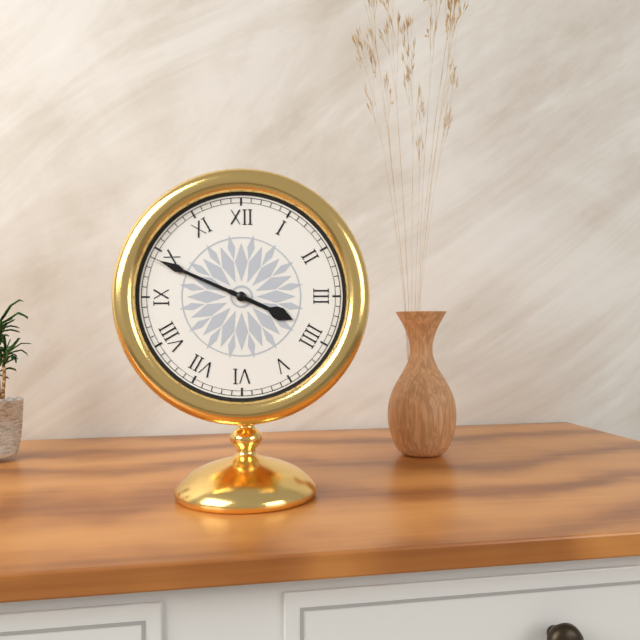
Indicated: 3:49:49
